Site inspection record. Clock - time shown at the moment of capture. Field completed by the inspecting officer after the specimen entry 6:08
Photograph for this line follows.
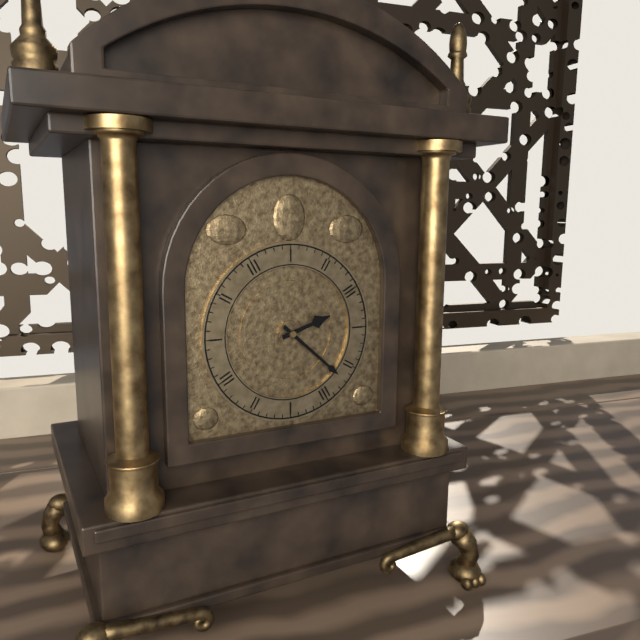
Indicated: 2:22
